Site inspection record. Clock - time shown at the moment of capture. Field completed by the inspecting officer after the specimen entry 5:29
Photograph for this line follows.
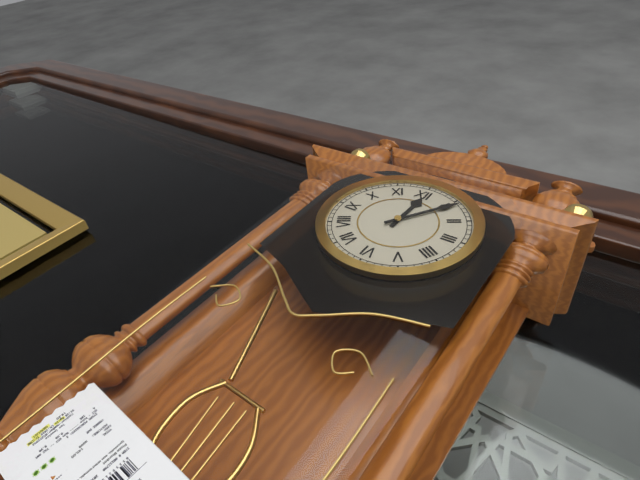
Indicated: 12:06
